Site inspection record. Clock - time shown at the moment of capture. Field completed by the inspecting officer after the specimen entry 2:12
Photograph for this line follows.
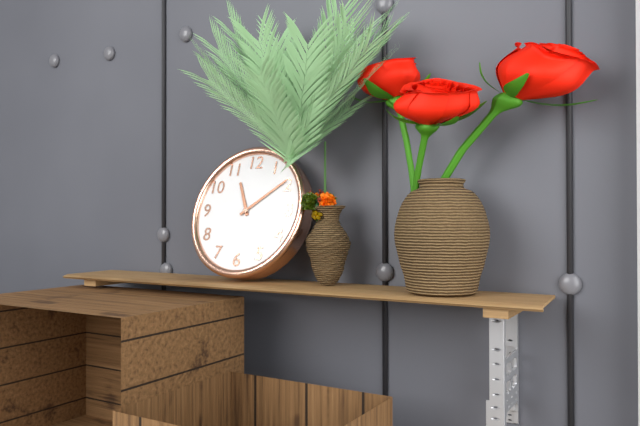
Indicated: 11:09
